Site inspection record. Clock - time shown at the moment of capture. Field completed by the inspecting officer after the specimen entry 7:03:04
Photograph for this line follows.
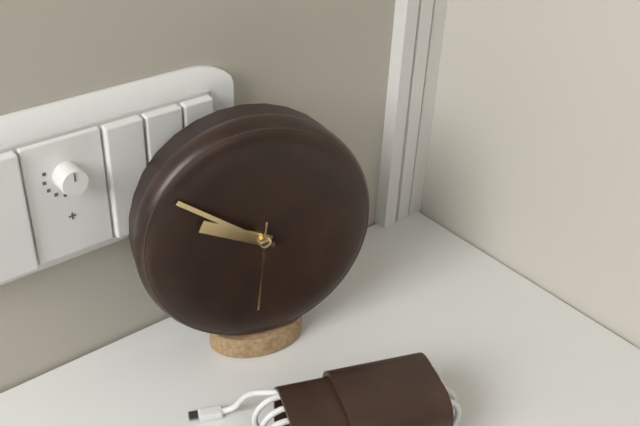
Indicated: 9:51:31
